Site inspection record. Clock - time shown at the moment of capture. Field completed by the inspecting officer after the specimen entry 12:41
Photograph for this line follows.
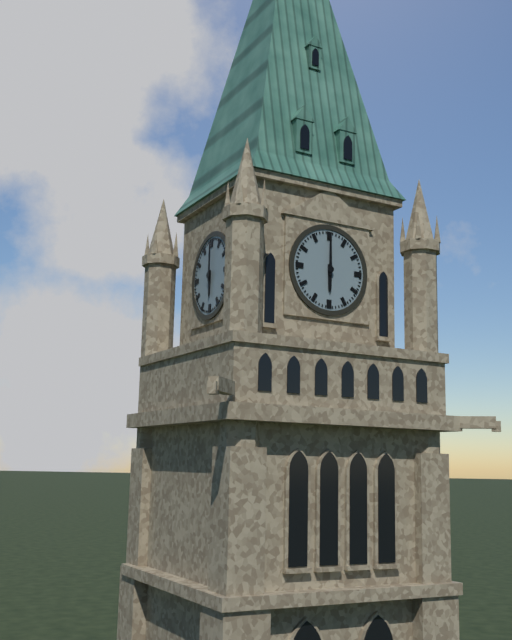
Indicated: 6:00
